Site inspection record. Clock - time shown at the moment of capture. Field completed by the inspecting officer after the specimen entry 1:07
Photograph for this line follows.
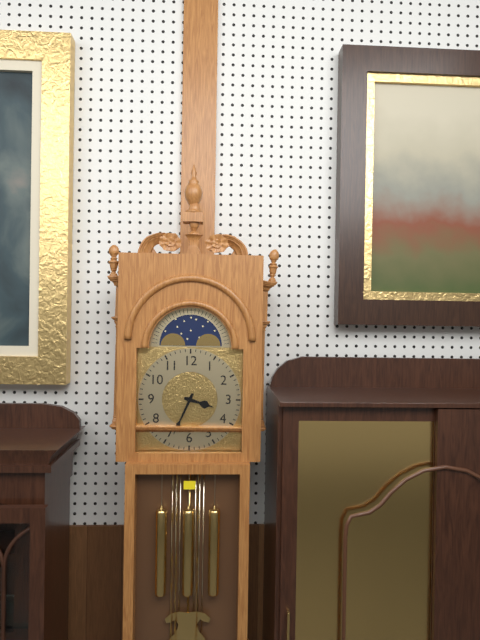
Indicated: 3:34
